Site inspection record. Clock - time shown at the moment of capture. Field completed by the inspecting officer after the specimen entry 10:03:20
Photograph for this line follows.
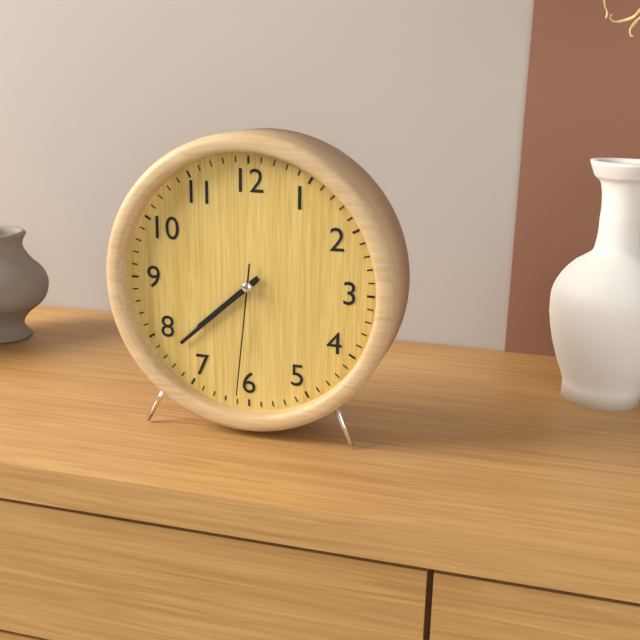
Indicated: 7:38:31
